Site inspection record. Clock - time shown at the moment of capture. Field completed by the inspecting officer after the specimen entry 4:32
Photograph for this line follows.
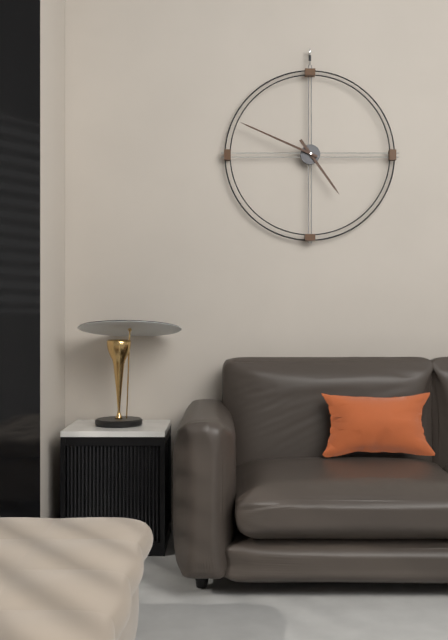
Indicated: 4:49
